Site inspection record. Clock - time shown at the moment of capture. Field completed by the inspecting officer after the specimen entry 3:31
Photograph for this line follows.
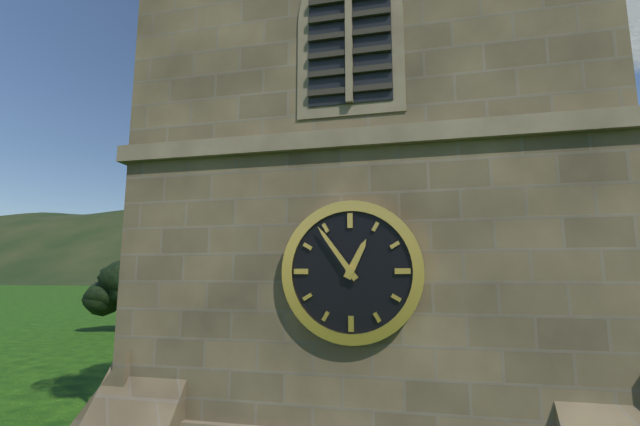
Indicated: 12:54
